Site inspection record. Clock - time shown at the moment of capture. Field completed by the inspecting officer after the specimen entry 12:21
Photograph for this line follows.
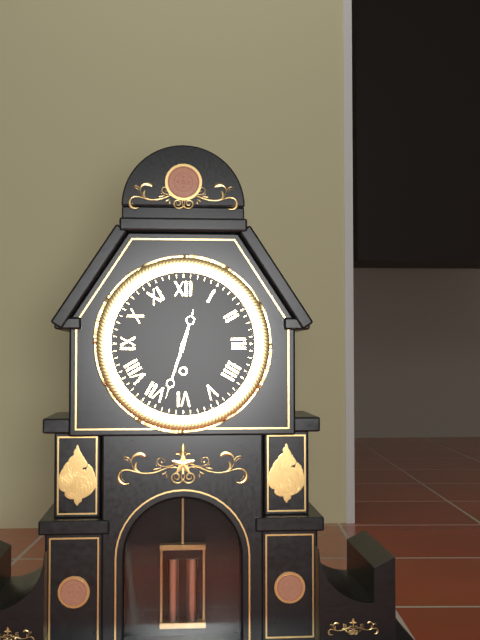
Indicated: 12:33
